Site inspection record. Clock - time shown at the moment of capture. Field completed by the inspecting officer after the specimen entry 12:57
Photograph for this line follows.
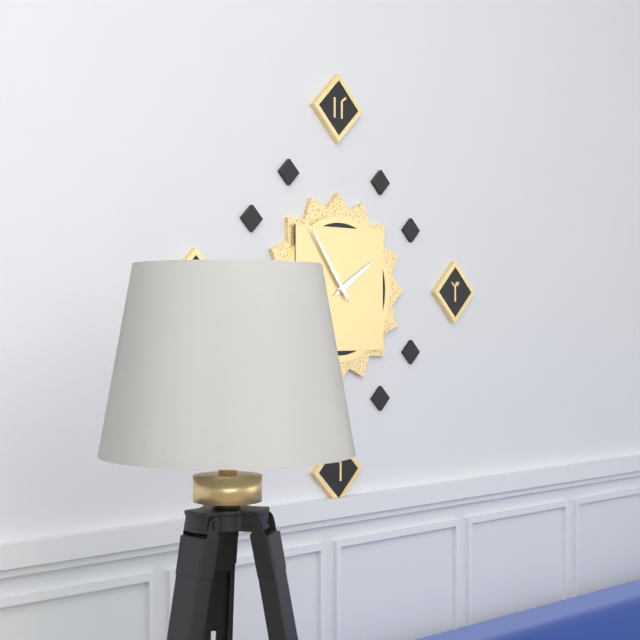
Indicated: 1:54
